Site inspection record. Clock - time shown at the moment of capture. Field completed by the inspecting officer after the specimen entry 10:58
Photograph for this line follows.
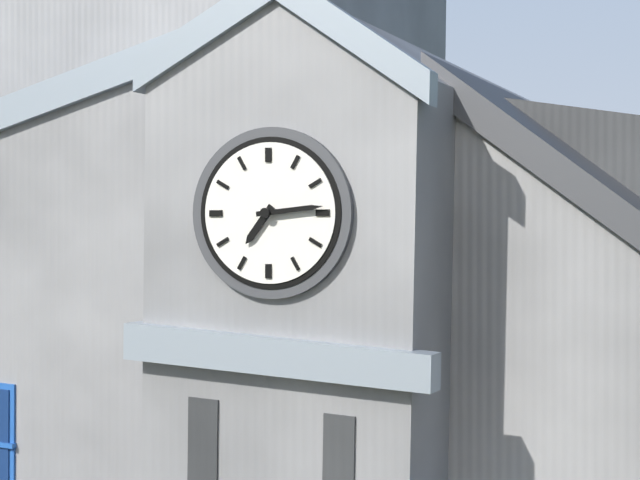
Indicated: 7:14
